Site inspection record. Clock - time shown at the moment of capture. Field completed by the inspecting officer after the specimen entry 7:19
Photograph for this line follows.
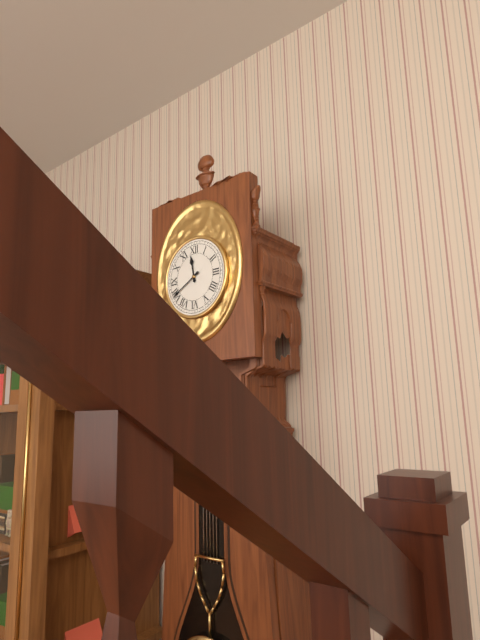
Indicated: 11:40
